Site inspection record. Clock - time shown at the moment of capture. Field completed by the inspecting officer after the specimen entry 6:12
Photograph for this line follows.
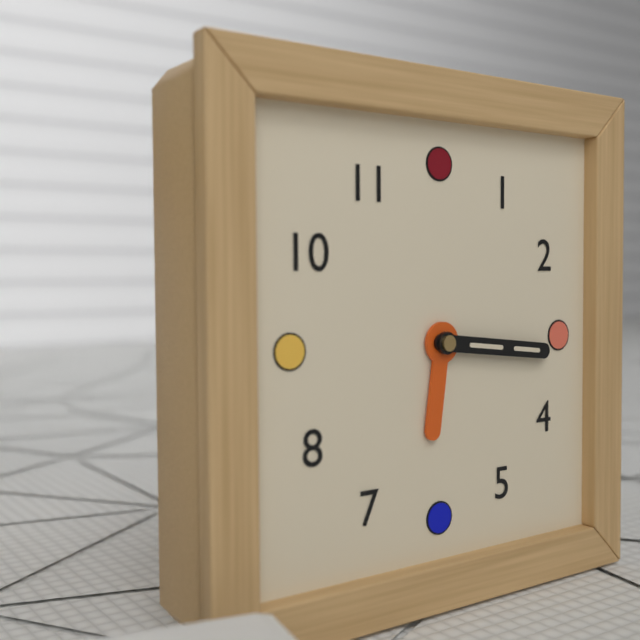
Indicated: 6:16
